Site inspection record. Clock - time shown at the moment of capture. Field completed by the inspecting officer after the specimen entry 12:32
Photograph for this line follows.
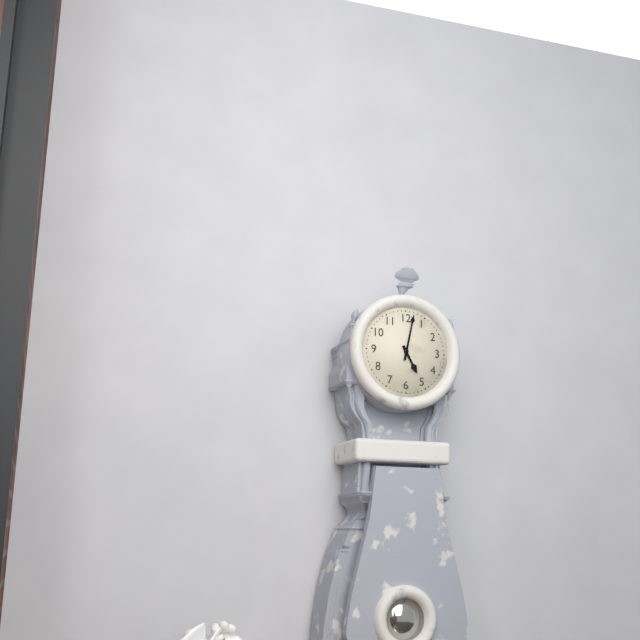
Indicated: 5:02
